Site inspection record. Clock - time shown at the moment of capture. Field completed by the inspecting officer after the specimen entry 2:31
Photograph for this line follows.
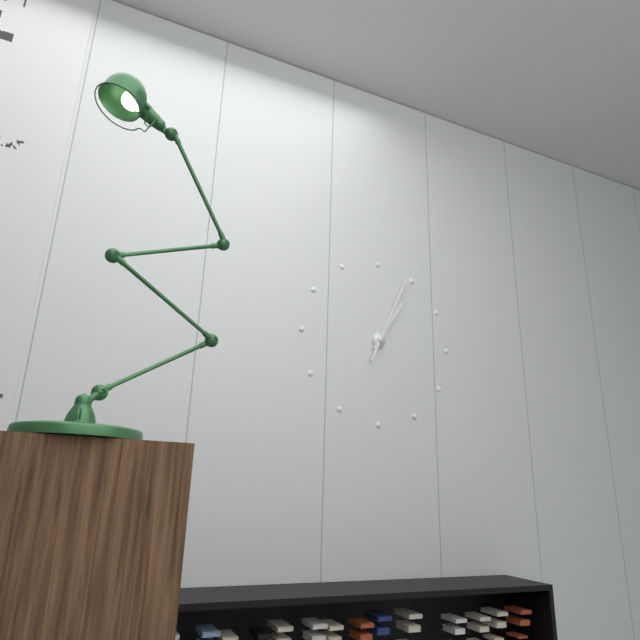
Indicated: 1:04
